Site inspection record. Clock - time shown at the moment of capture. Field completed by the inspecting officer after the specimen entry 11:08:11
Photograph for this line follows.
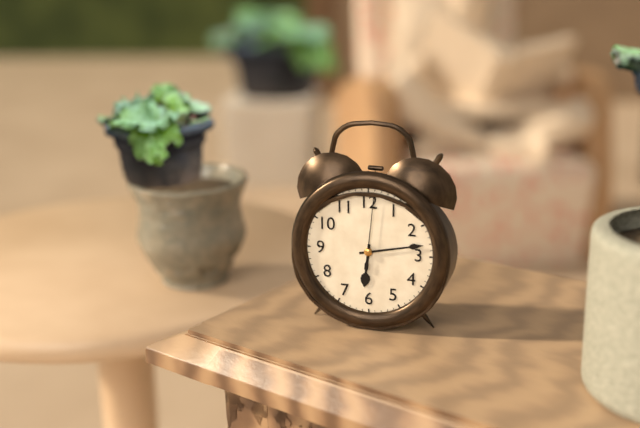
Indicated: 6:13:01
